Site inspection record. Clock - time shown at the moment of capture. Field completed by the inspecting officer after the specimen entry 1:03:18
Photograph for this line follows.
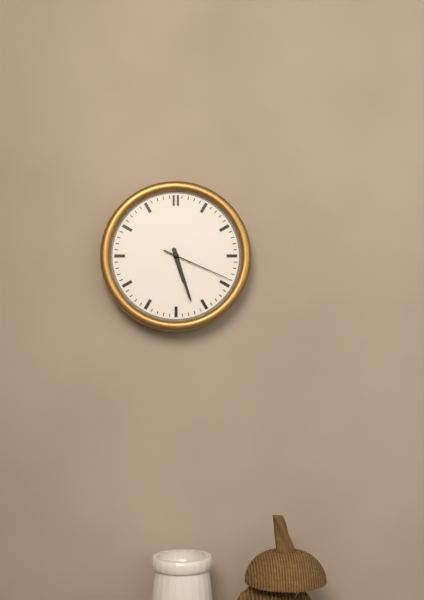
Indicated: 5:27:19
